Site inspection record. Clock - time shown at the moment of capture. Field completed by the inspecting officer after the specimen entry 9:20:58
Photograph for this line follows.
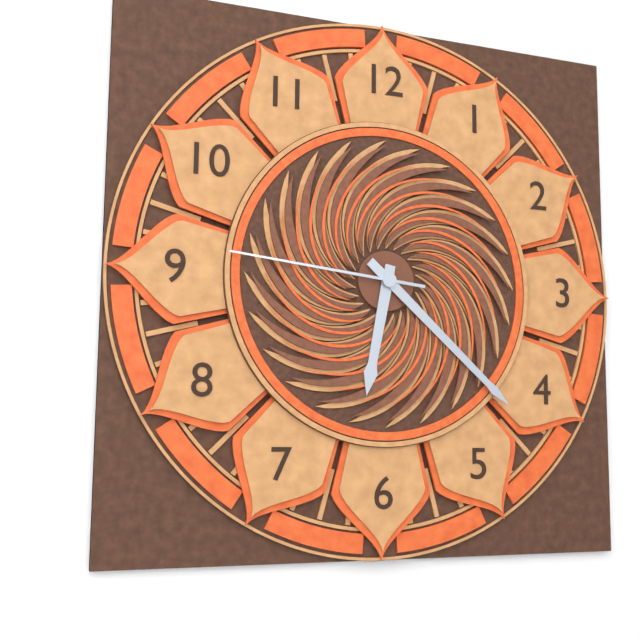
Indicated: 6:22:46
